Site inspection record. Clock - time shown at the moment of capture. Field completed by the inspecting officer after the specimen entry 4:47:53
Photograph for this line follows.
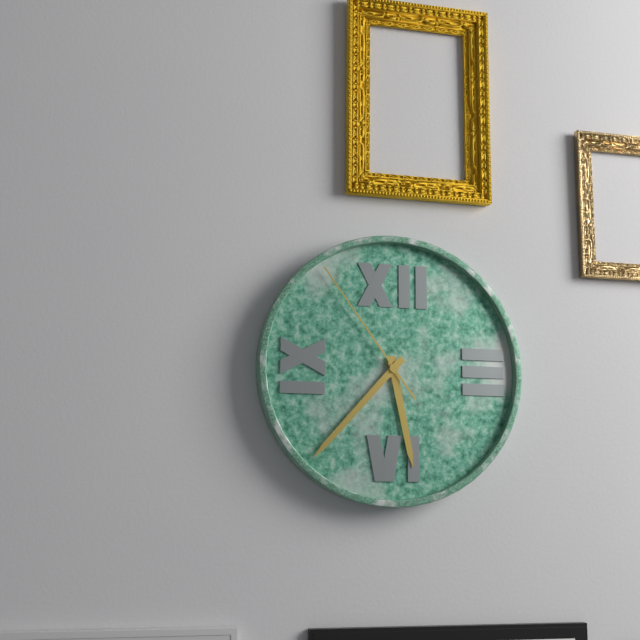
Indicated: 5:37:54
